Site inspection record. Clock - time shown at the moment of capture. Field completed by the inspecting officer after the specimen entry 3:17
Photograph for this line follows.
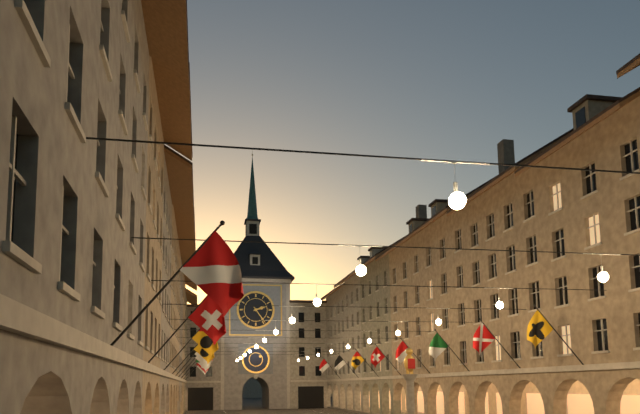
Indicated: 2:24
